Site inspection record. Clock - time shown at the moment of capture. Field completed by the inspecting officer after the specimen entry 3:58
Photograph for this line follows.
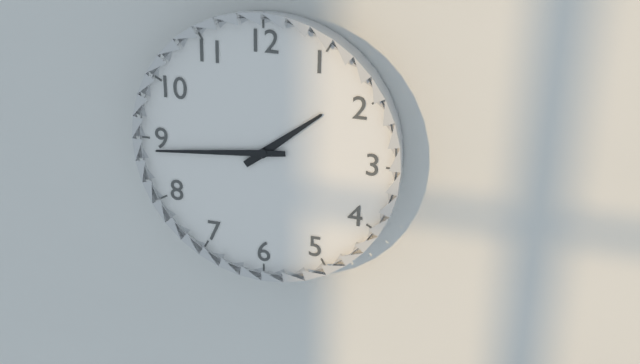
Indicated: 1:44
